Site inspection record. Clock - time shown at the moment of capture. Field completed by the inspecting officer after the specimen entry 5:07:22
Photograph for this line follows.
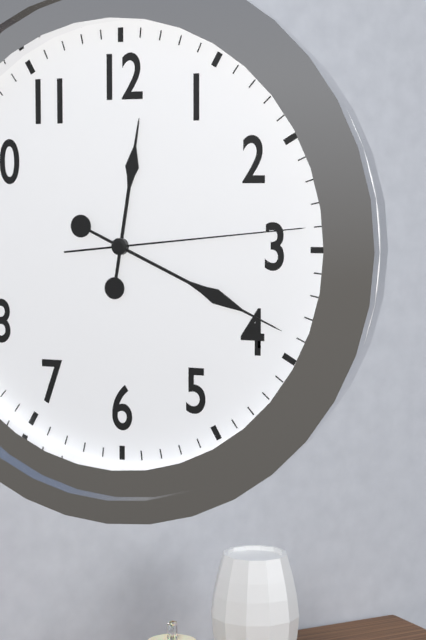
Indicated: 12:19:14
